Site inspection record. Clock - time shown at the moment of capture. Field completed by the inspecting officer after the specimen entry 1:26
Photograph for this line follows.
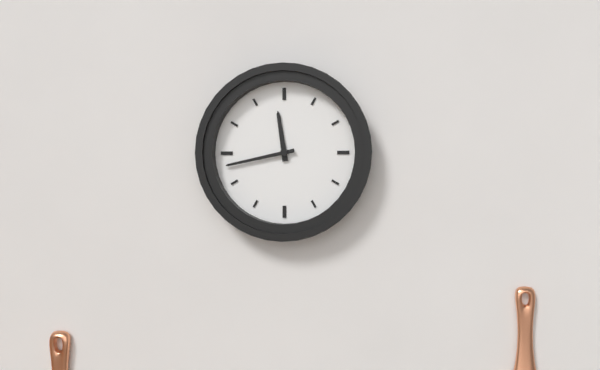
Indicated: 11:43
